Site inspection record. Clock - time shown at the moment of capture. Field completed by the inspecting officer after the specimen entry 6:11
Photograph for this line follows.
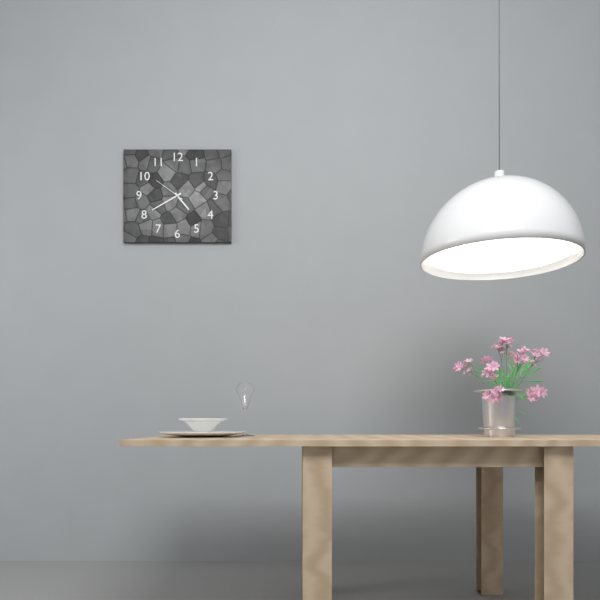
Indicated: 4:40
